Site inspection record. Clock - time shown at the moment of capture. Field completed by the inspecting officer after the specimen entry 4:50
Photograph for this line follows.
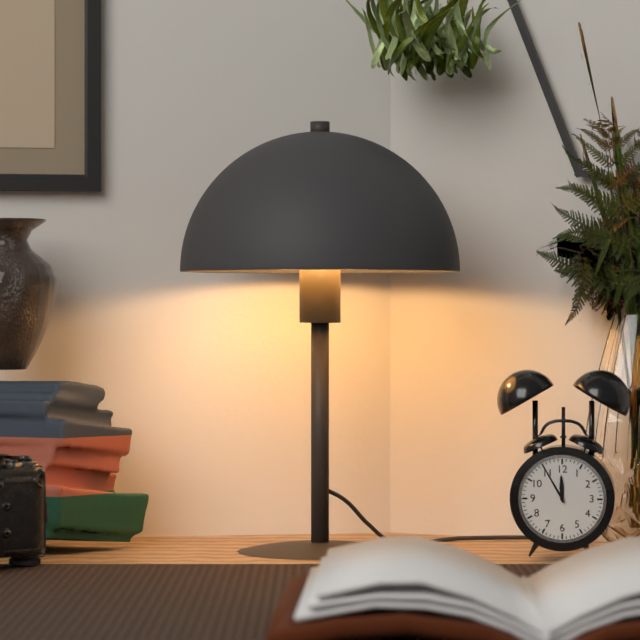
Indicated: 11:55
